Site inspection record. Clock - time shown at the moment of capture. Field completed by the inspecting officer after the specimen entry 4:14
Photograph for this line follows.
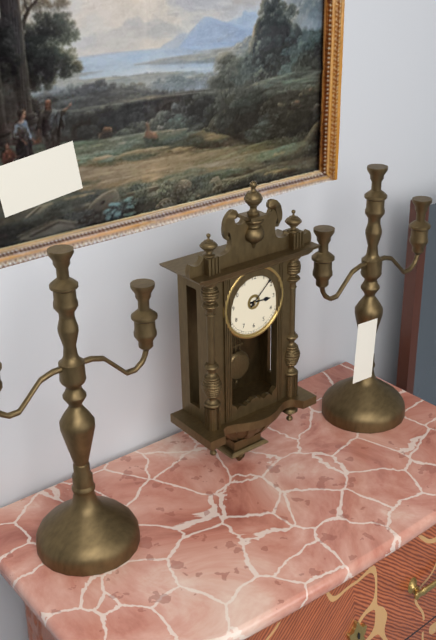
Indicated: 3:08
